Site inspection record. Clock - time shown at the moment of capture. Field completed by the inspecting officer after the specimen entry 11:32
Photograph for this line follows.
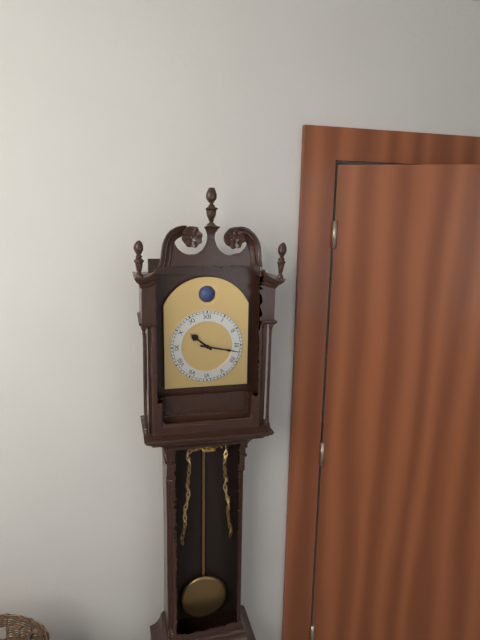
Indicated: 10:17
